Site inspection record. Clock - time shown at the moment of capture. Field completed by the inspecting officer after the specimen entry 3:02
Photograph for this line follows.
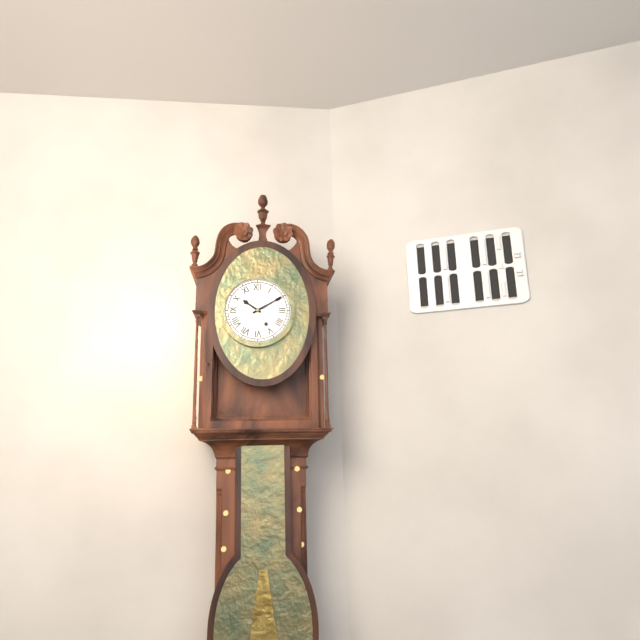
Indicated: 10:10
